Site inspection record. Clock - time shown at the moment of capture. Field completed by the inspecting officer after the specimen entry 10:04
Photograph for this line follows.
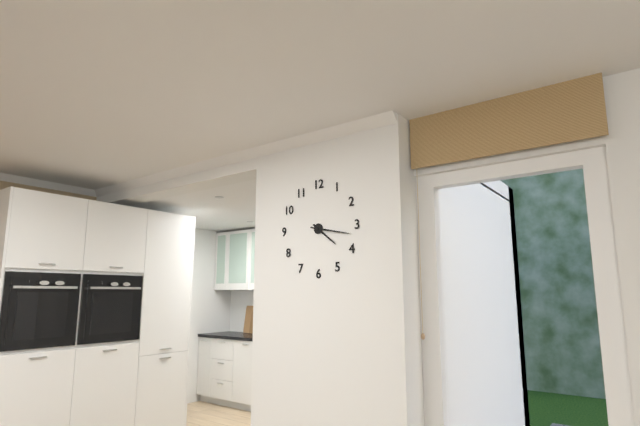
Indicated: 4:17
